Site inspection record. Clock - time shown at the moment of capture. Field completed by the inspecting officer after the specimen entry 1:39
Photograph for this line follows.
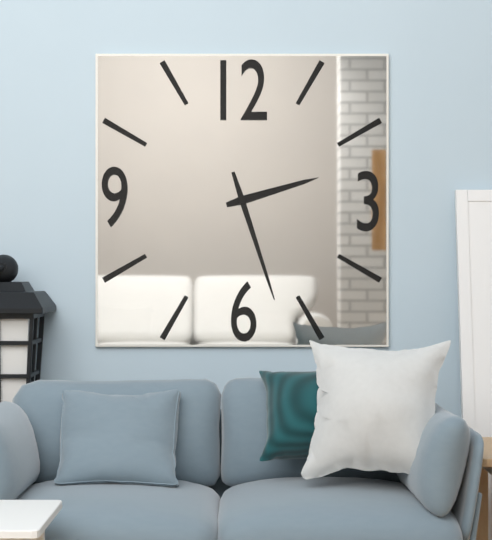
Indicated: 2:27
